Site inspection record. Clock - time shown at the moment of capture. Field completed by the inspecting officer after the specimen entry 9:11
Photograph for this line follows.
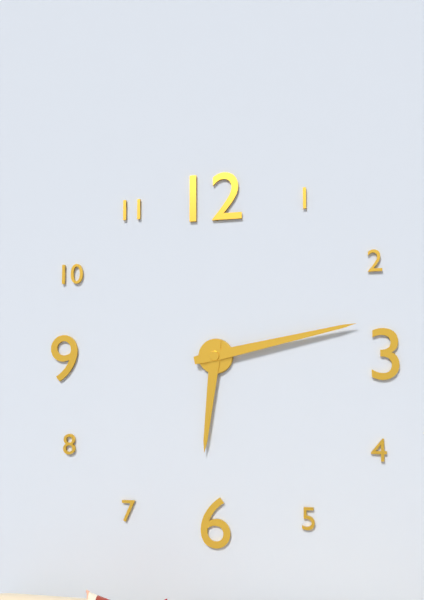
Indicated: 6:13
